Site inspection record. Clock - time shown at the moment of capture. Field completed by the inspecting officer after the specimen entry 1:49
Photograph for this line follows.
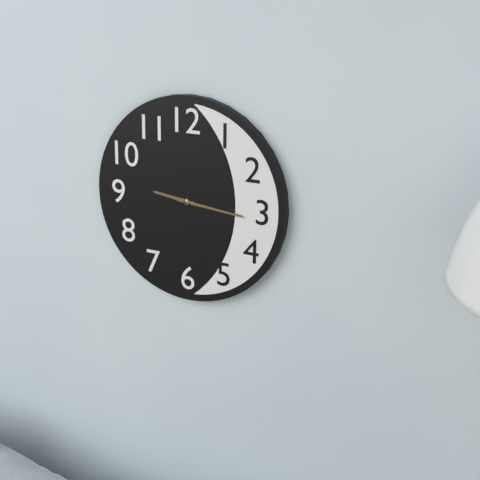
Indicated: 9:16
